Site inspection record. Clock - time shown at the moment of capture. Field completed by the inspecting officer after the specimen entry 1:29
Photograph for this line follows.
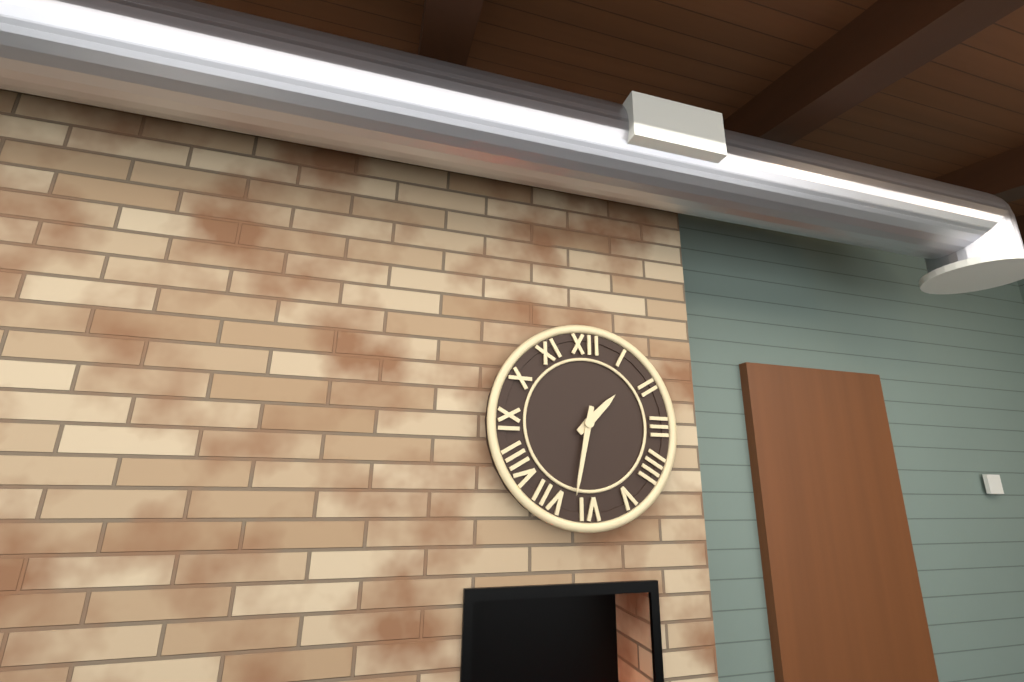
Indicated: 1:32
